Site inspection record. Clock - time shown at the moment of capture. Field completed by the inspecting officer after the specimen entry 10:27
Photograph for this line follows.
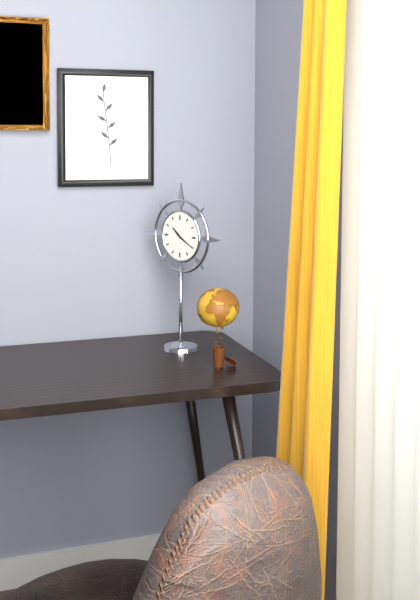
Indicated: 10:20
